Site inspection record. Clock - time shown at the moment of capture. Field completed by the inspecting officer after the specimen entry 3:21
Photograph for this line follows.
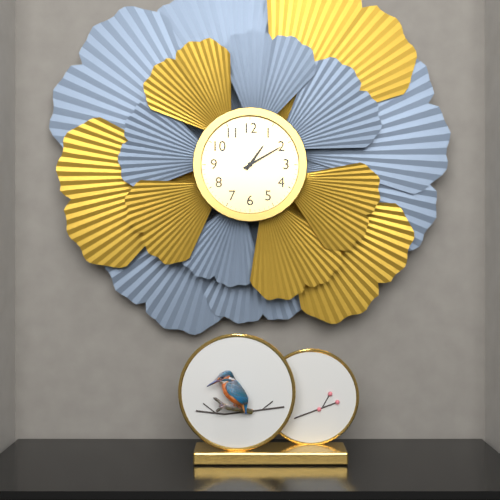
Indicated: 1:10
